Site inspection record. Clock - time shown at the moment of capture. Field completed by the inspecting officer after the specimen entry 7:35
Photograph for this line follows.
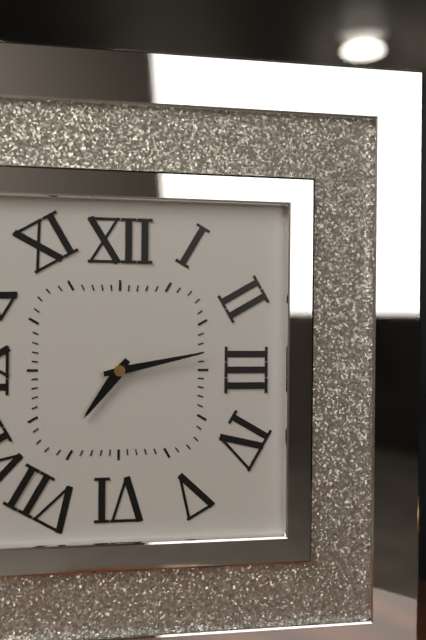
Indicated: 7:13
